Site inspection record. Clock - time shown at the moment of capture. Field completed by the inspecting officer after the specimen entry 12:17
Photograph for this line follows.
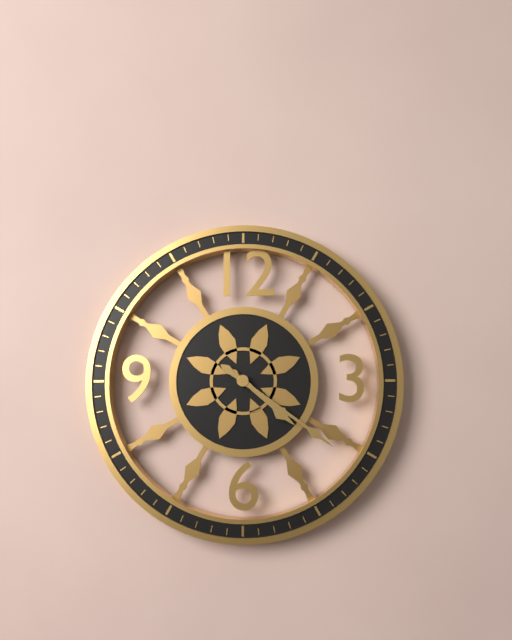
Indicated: 4:21
